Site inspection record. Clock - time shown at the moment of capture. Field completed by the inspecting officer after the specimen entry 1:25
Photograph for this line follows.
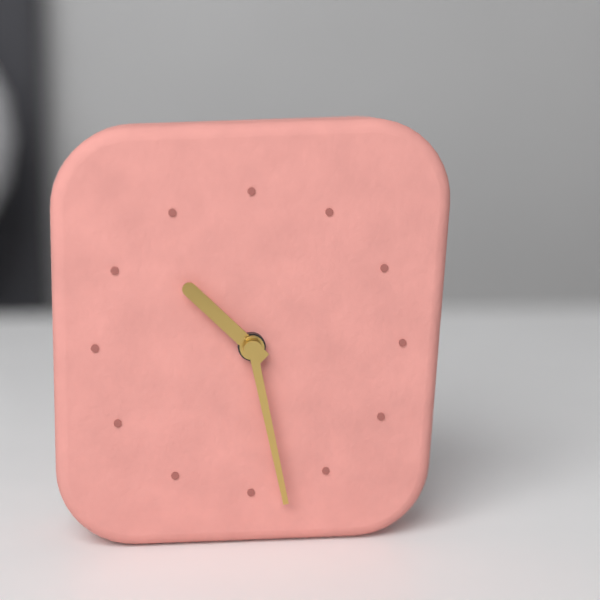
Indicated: 10:28
